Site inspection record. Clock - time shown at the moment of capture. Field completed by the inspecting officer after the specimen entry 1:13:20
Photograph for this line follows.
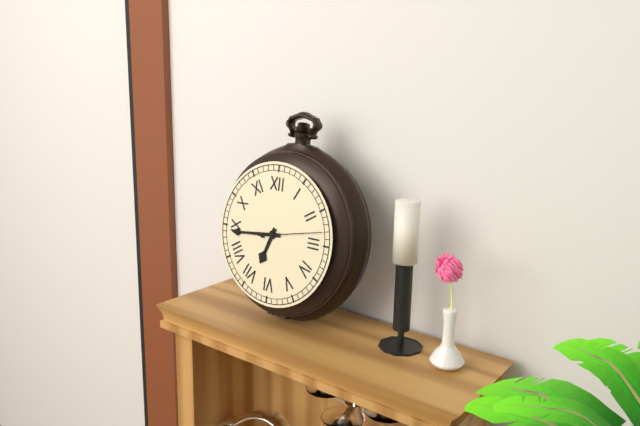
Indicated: 6:44:13
